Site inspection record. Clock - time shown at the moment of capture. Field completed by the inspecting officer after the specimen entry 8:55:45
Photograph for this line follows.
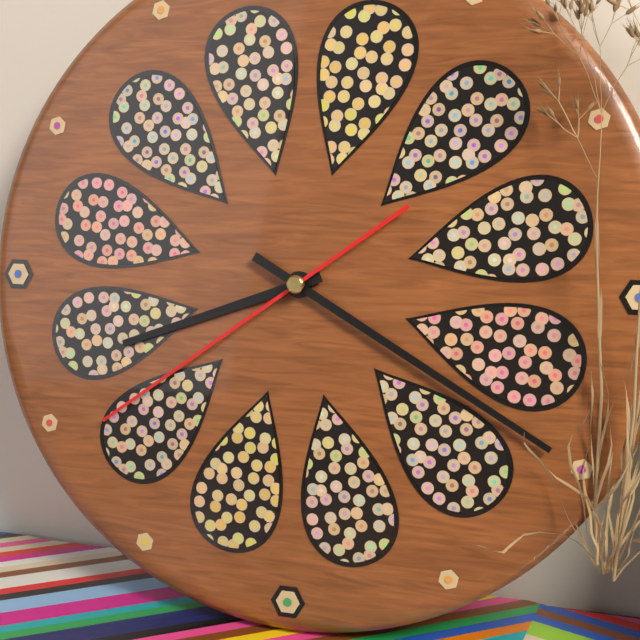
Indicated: 8:20:39
